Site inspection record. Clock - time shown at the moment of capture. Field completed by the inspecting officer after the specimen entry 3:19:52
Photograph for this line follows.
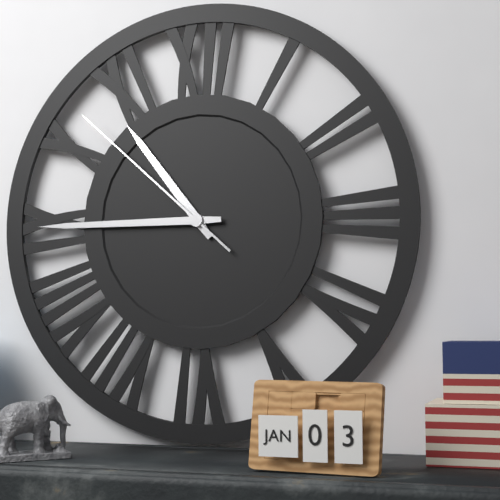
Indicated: 10:45:52
